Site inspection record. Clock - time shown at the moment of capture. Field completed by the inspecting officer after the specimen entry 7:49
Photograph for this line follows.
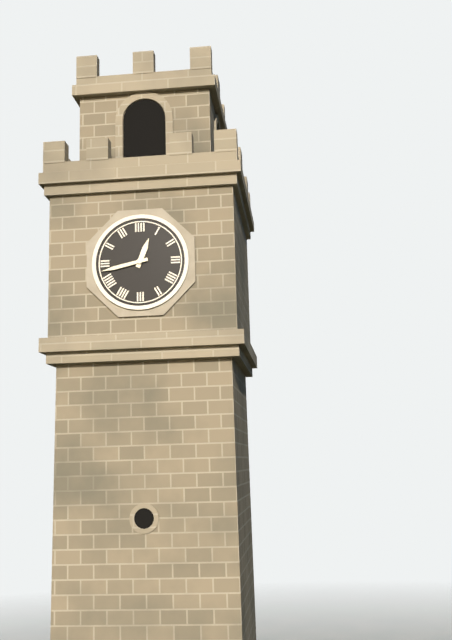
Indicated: 12:43
